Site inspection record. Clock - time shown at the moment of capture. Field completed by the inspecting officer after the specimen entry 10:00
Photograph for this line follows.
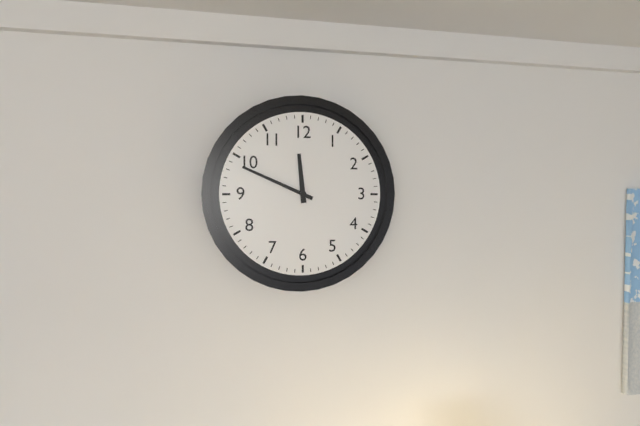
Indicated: 11:49
